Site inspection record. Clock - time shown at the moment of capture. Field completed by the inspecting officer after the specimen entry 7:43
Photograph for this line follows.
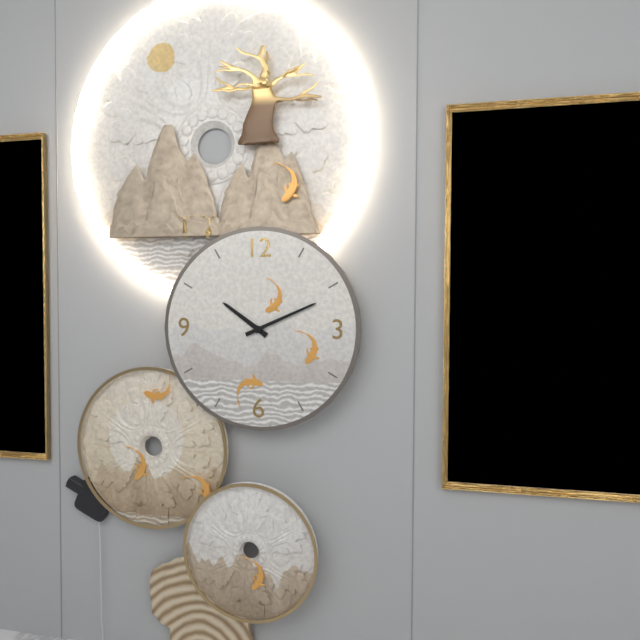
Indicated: 10:11
